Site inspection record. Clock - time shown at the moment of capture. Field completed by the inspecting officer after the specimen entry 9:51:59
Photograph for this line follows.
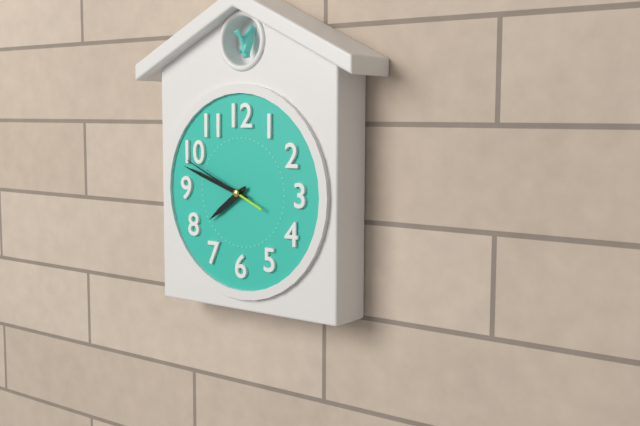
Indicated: 7:48:49
